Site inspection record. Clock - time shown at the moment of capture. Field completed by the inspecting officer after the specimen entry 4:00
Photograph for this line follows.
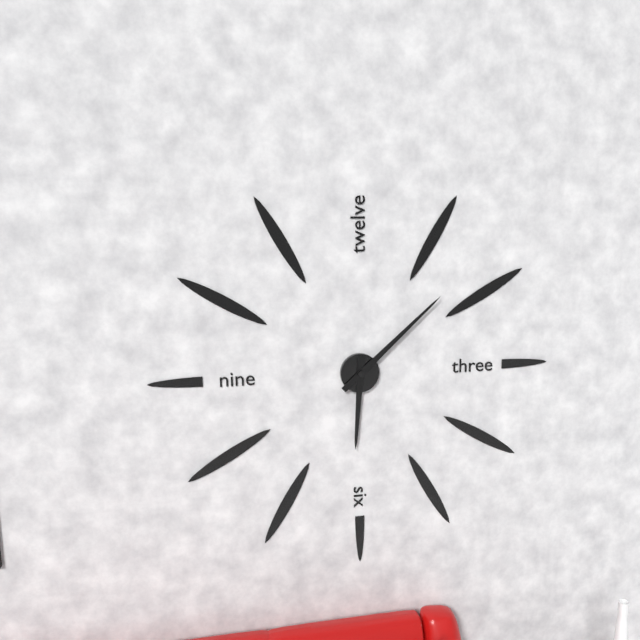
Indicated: 6:08
